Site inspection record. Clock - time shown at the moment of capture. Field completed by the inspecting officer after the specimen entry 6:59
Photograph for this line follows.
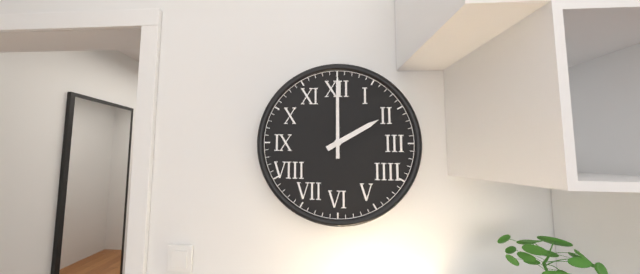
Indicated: 2:00
